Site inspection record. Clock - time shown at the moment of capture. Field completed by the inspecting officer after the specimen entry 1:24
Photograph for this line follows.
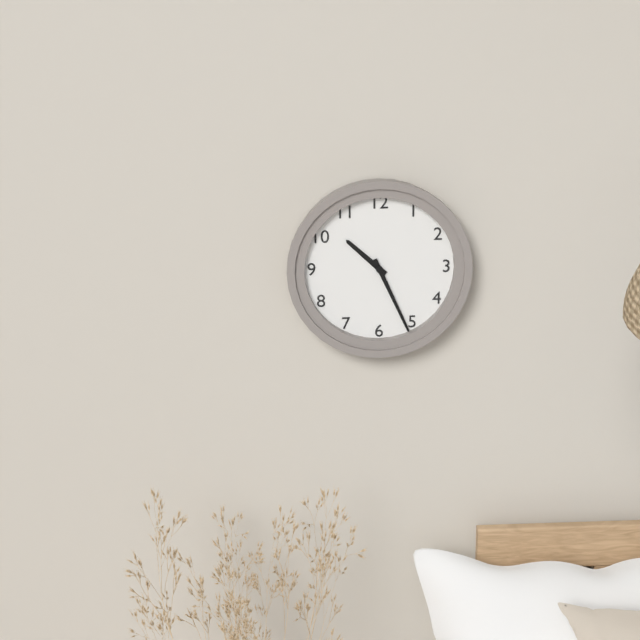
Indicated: 10:26
